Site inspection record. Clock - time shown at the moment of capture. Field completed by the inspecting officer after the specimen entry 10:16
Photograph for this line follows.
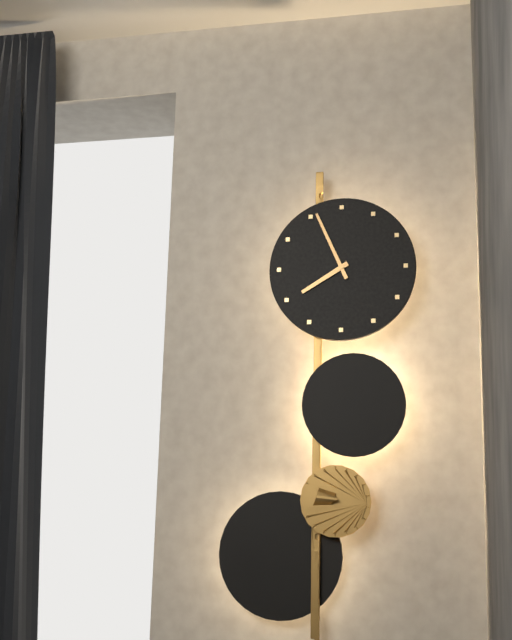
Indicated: 7:56
